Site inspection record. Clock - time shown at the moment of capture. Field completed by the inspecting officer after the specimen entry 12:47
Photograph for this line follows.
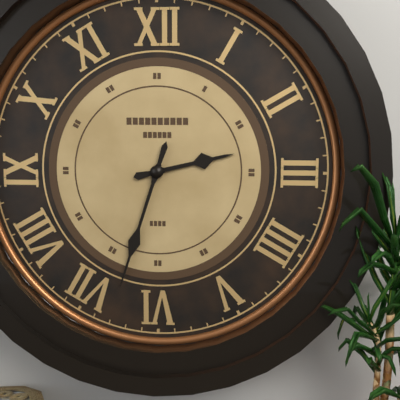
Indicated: 2:33
